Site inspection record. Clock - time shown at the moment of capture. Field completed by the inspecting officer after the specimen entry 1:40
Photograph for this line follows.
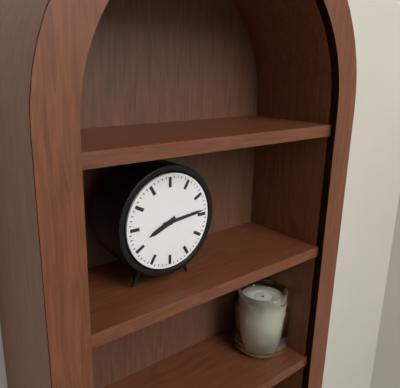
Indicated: 8:14
